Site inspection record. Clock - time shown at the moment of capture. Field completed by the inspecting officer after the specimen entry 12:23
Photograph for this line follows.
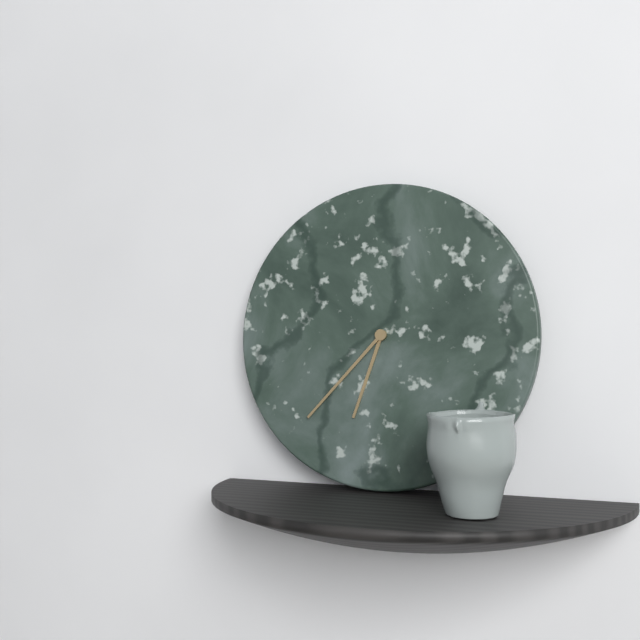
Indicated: 6:37
